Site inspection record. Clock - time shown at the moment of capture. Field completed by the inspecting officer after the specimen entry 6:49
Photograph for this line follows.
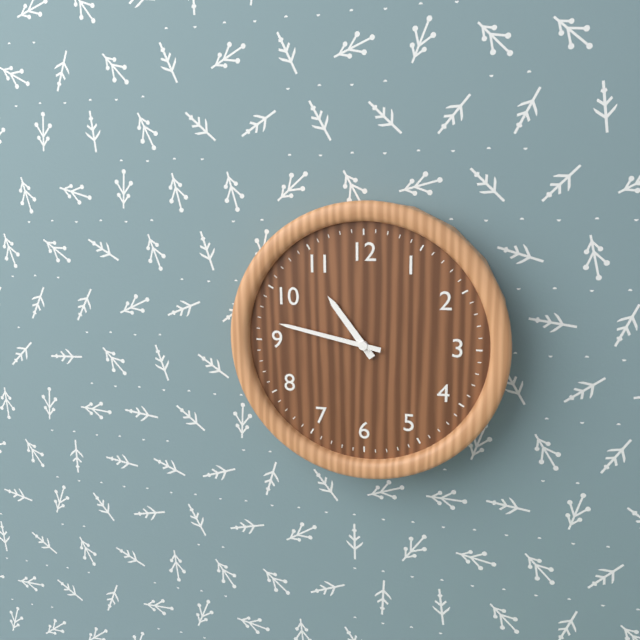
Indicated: 10:47
